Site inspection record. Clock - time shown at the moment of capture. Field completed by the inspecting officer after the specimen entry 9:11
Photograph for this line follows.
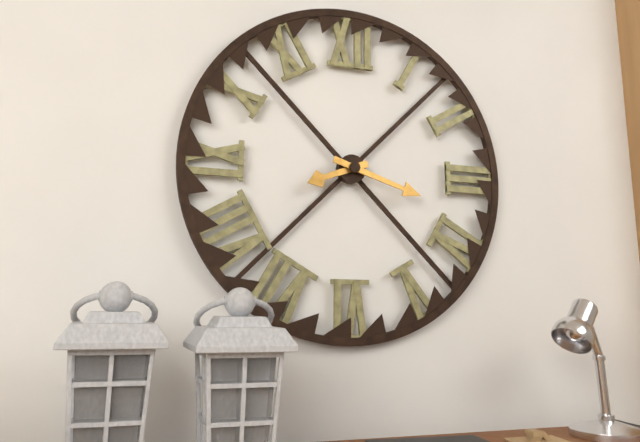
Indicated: 8:18
